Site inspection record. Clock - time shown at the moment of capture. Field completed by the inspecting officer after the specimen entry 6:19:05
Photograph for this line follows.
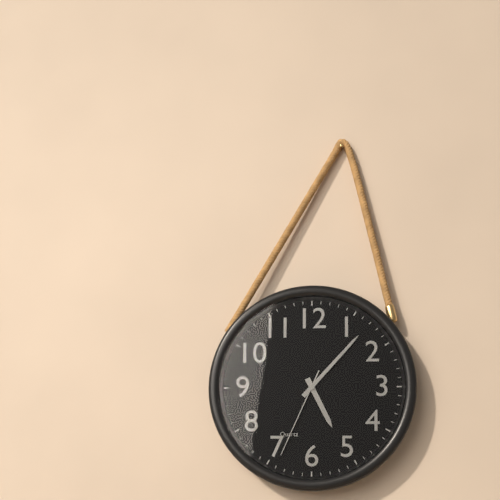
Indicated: 5:07:34
